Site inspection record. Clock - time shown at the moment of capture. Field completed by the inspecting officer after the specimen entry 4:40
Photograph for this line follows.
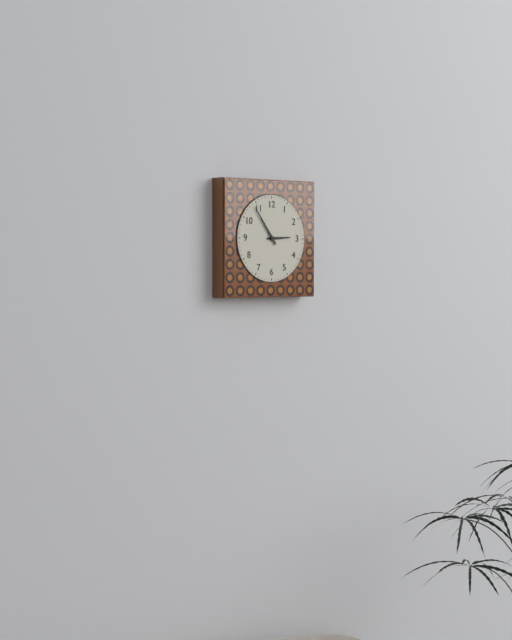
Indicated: 2:54
